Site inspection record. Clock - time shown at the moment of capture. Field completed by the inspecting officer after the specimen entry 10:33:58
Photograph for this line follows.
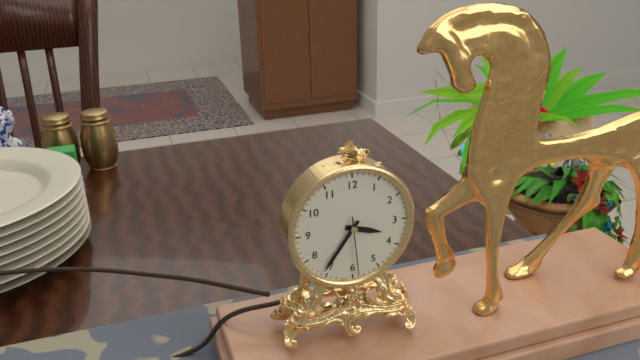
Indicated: 3:36:29
